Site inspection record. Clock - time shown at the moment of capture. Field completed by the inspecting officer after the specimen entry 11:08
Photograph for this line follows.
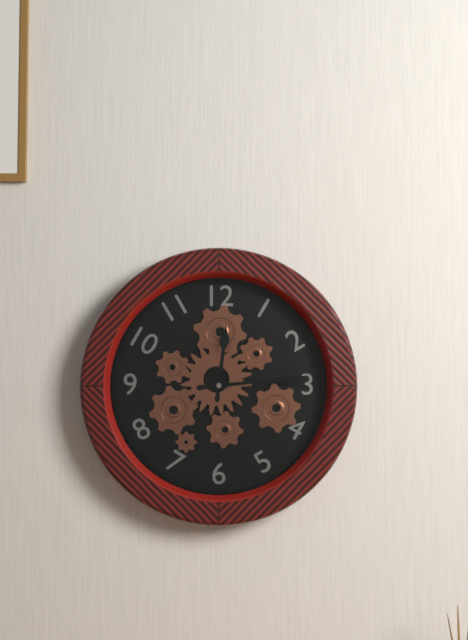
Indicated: 12:14
